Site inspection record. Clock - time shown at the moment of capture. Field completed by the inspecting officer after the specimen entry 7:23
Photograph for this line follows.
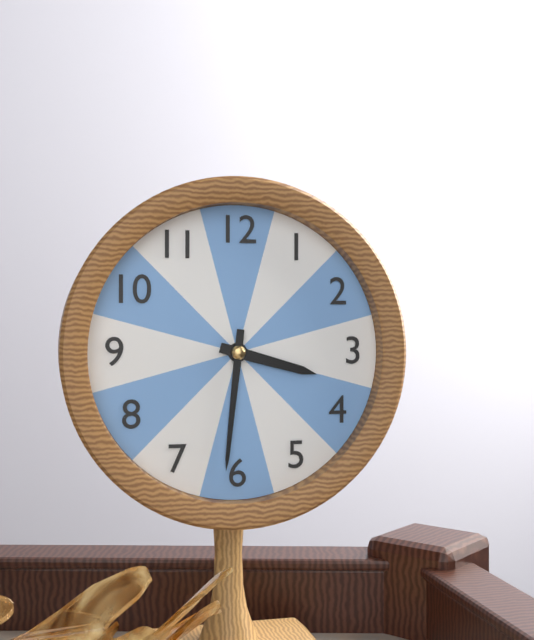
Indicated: 3:31
